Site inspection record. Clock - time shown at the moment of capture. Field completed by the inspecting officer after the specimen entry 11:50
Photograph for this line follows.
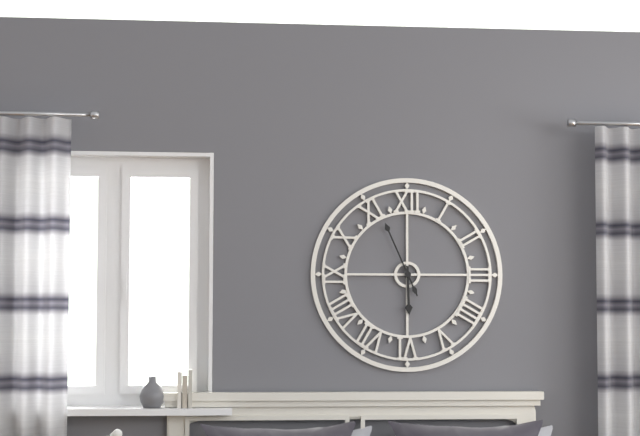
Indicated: 5:56
